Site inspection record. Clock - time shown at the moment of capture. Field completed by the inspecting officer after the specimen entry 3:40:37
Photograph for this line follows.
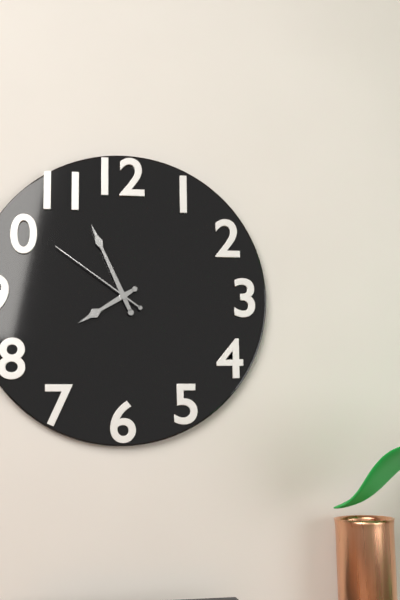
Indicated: 7:56:51
